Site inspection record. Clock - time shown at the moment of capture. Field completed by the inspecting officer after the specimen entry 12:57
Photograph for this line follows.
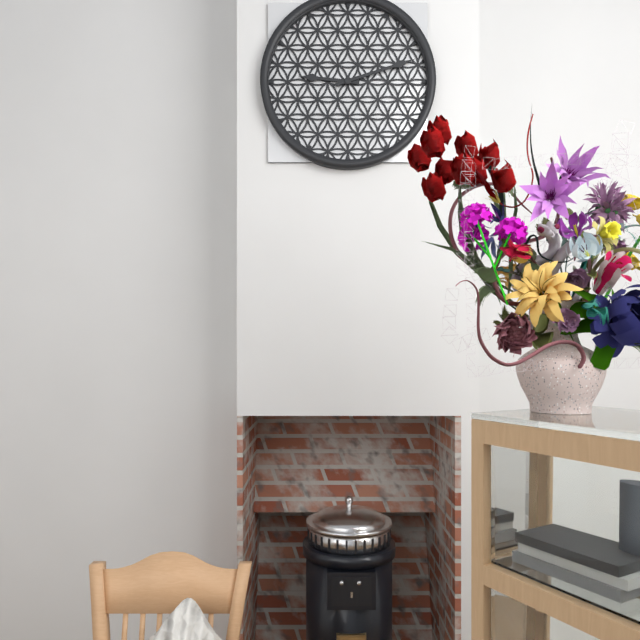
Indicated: 9:12
